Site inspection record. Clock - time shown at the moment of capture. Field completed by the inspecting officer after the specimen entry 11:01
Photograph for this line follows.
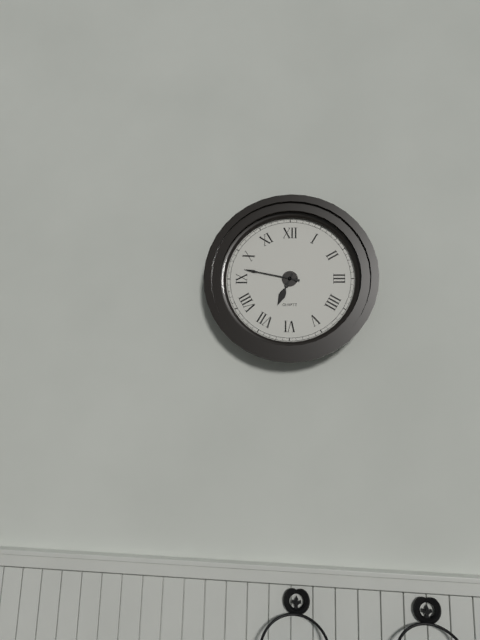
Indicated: 6:47
